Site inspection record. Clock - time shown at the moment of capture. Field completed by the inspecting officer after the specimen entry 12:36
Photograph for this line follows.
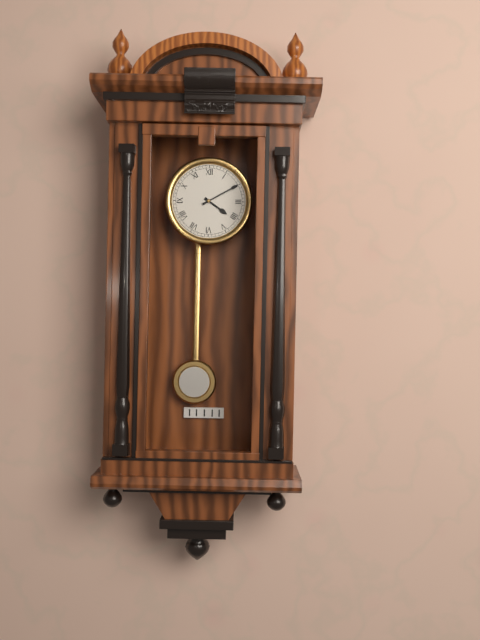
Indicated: 4:10
